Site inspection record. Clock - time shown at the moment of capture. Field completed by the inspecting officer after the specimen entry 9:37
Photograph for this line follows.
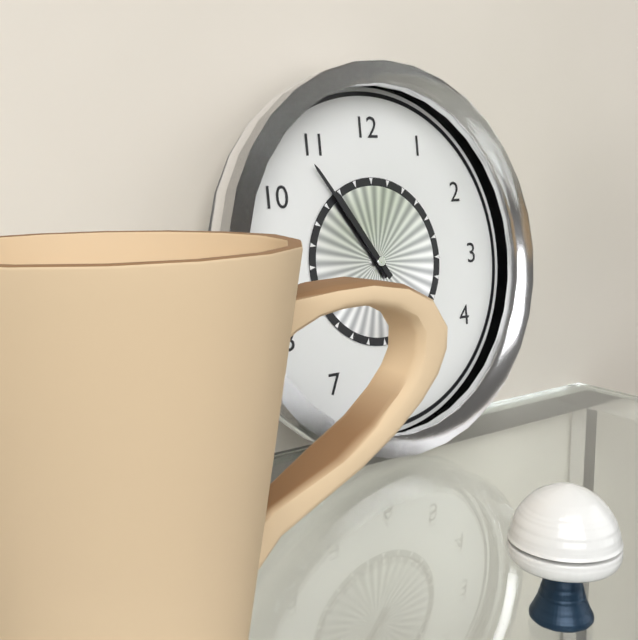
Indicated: 10:54
